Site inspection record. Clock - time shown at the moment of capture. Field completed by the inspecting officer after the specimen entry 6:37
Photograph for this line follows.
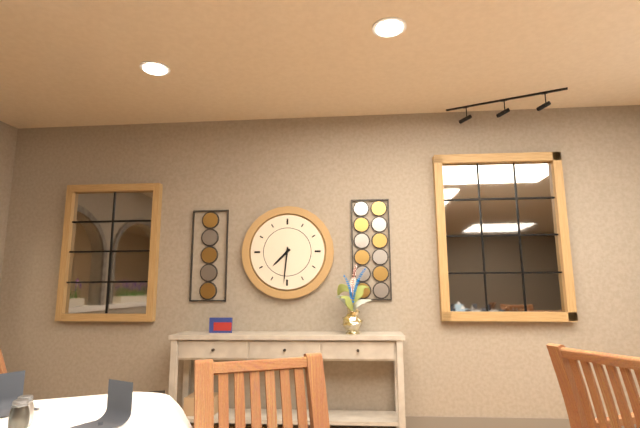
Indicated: 7:31
